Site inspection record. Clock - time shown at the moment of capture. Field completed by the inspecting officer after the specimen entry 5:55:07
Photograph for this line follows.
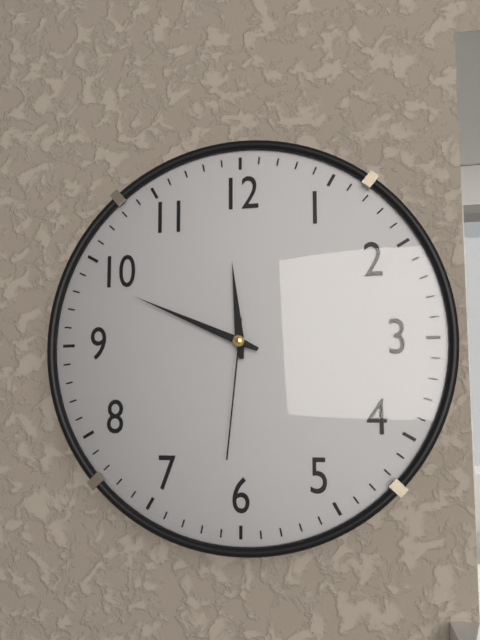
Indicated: 11:49:31
